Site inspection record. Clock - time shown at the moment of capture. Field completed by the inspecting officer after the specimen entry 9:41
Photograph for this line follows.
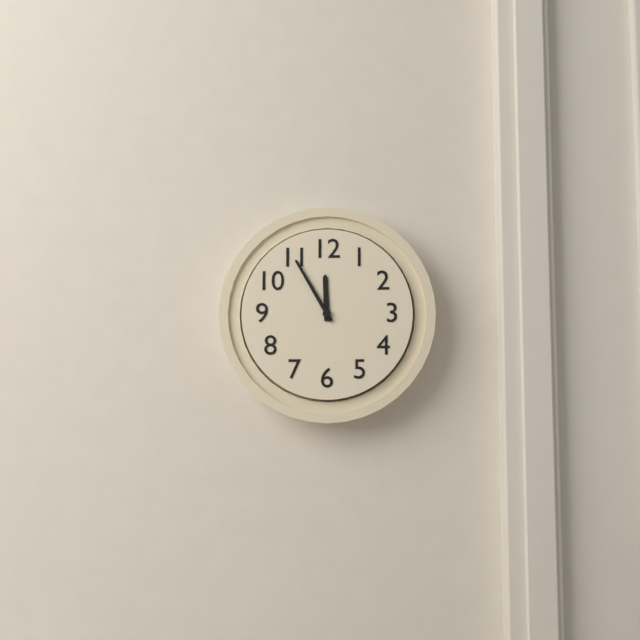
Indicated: 11:55
